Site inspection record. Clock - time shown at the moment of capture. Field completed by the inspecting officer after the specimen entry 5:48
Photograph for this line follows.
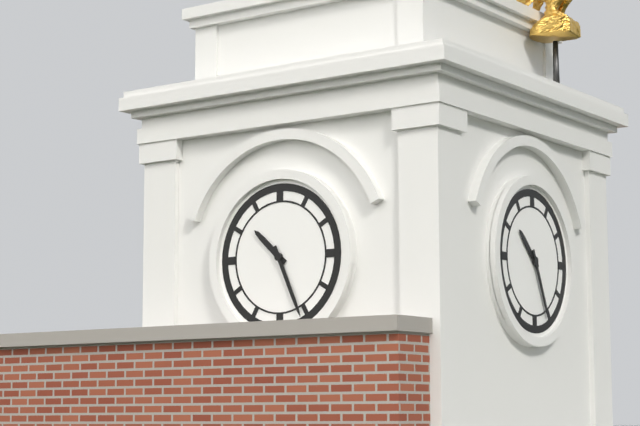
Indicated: 10:26
